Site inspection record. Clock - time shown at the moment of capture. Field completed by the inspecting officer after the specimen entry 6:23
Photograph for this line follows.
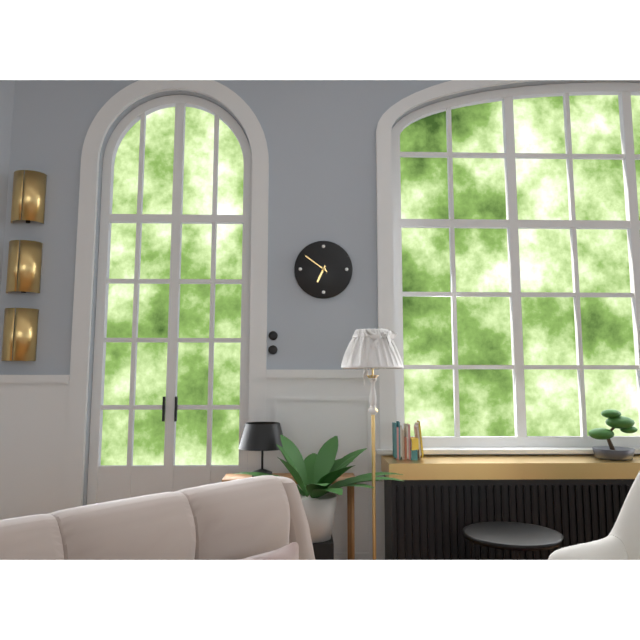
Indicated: 6:51
